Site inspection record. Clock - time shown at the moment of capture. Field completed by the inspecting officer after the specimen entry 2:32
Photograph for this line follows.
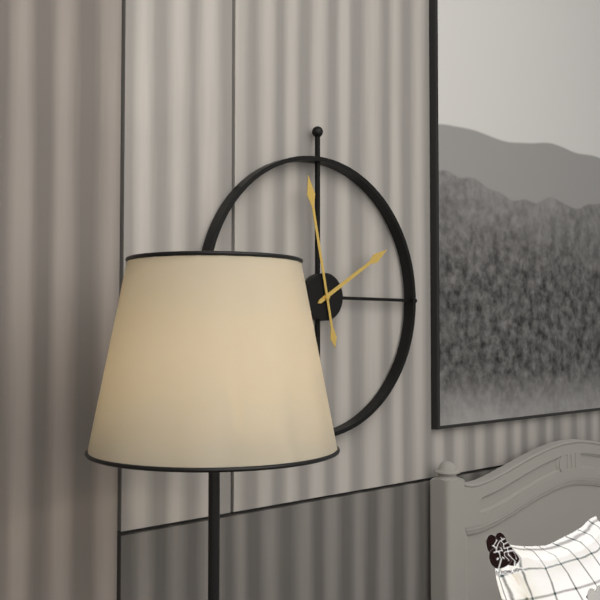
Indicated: 1:58
